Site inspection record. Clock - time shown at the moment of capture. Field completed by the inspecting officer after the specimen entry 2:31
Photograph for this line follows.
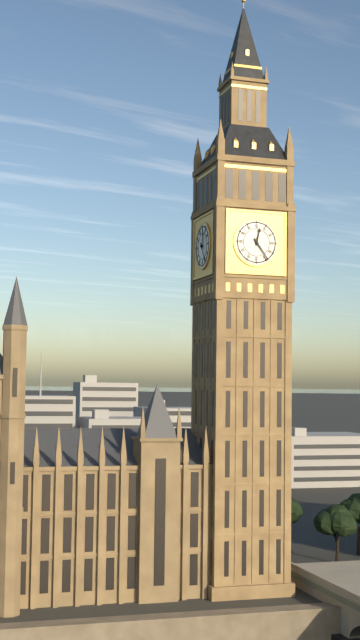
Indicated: 12:24
